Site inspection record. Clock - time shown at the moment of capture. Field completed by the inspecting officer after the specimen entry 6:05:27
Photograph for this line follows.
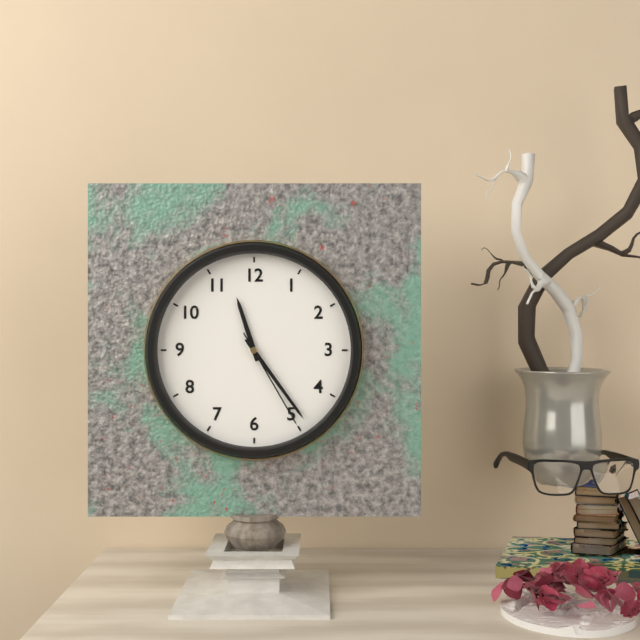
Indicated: 11:24:25
